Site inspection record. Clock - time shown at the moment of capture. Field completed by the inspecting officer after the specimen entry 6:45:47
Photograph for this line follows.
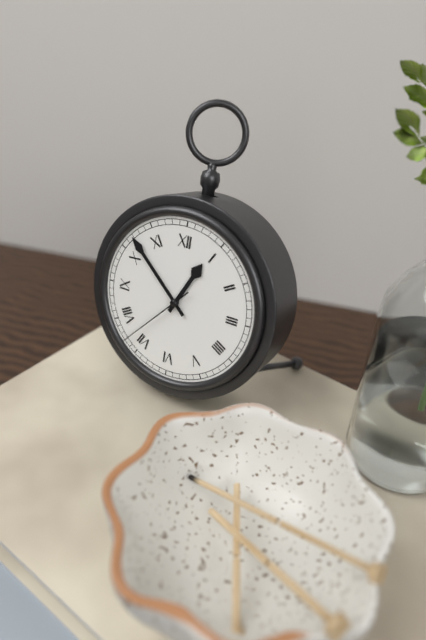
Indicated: 12:52:37
